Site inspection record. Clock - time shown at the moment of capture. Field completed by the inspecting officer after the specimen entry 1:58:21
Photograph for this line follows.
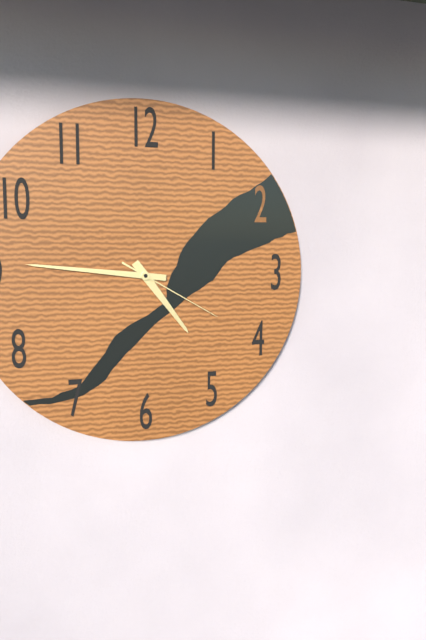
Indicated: 4:46:20
